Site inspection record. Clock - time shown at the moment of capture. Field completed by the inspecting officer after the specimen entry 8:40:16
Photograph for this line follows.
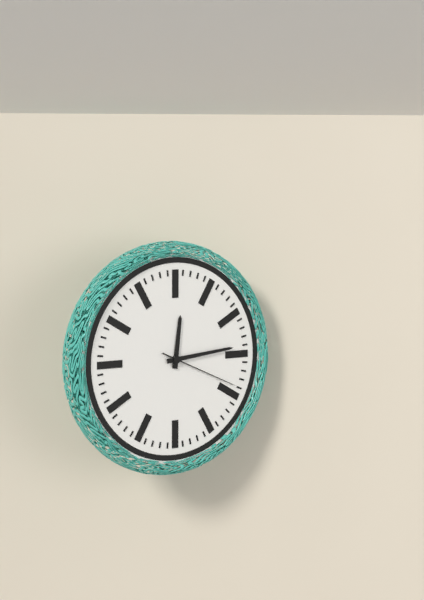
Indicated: 12:14:19
